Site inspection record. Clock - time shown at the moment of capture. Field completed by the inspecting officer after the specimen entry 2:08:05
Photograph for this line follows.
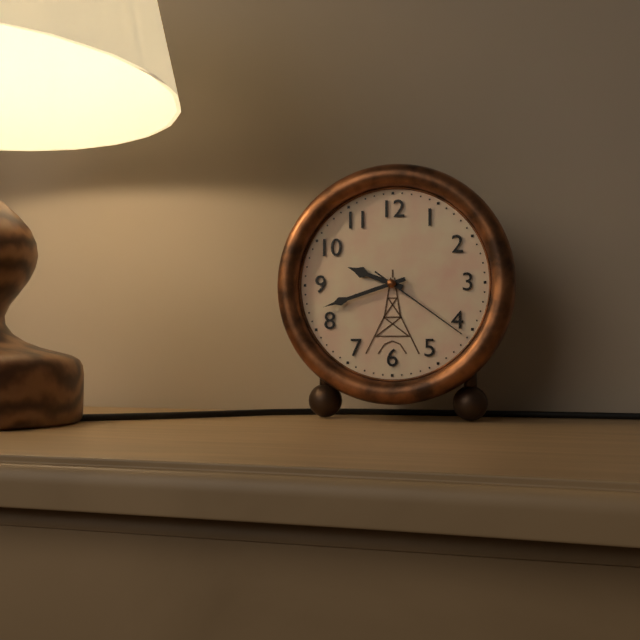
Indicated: 9:42:21
